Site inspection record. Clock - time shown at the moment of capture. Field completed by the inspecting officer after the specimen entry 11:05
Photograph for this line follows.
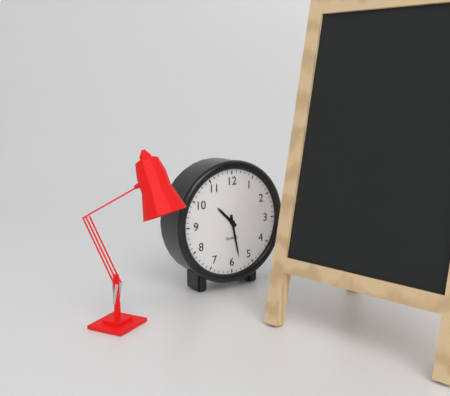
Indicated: 10:28
